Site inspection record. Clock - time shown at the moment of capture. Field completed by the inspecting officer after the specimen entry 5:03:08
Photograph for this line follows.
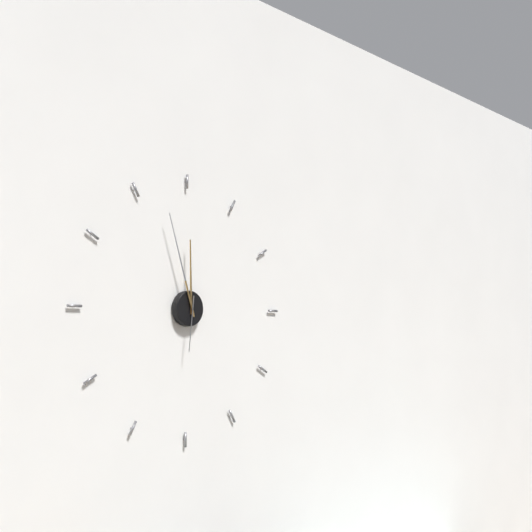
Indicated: 11:57:31
